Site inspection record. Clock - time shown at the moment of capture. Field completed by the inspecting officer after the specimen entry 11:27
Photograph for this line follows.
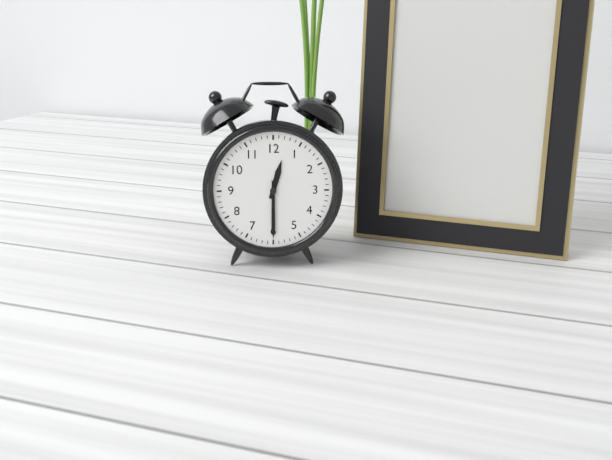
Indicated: 12:30
